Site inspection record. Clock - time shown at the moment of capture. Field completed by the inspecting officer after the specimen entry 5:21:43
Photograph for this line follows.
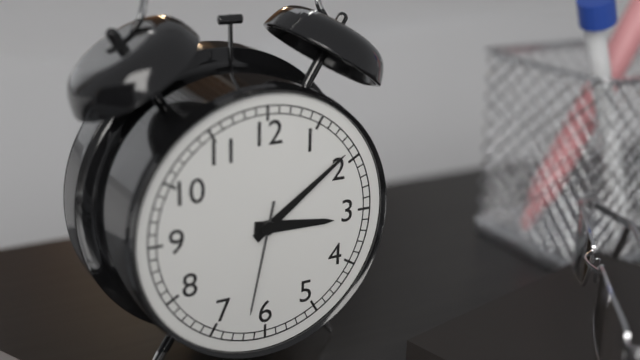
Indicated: 3:09:32
